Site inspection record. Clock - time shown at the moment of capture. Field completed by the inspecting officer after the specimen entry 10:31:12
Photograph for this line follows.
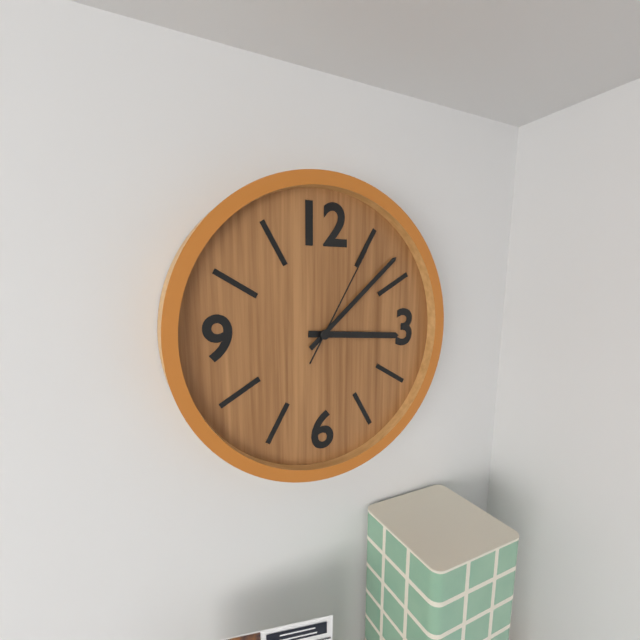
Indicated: 3:08:05
